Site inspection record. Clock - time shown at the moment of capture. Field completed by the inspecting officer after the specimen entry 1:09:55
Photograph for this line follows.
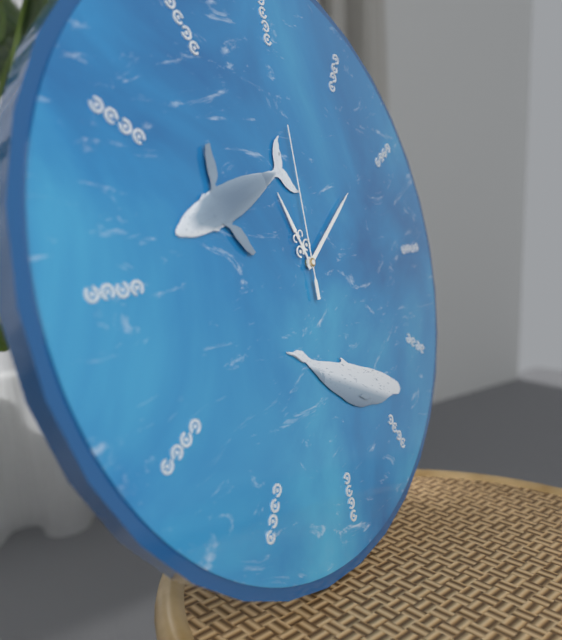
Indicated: 11:09:00
